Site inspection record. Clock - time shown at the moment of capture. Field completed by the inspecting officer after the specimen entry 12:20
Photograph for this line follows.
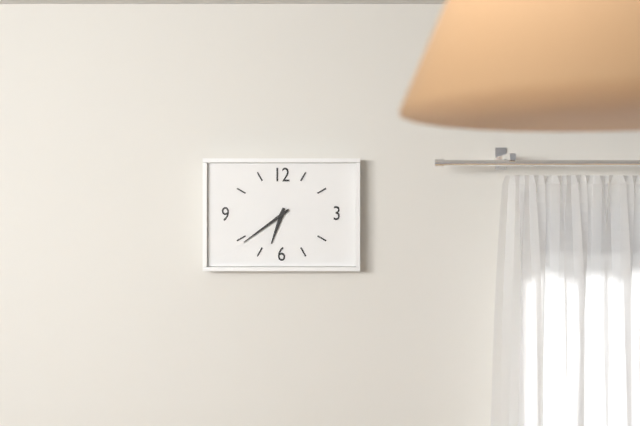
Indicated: 6:39
